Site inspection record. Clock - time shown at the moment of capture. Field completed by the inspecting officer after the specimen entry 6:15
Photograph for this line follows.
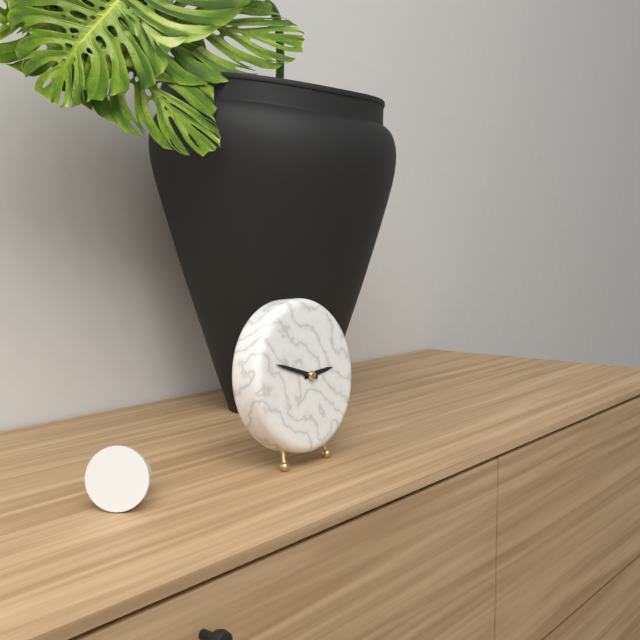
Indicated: 2:48
